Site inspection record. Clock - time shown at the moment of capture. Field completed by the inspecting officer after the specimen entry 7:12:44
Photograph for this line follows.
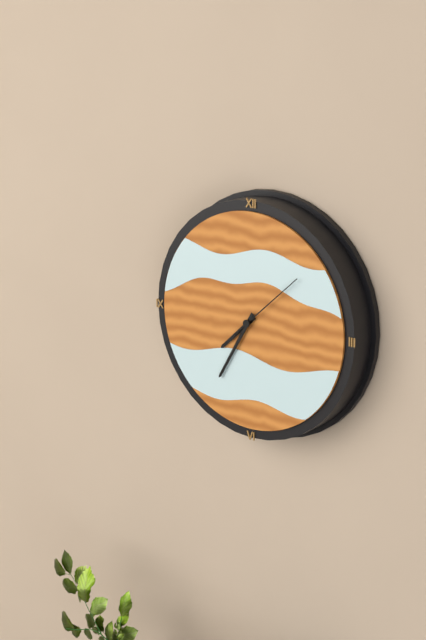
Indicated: 7:35:08
